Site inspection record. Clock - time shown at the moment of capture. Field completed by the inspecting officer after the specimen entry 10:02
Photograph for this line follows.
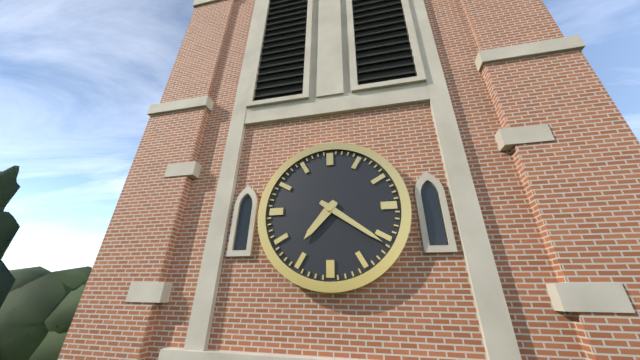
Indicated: 7:21
